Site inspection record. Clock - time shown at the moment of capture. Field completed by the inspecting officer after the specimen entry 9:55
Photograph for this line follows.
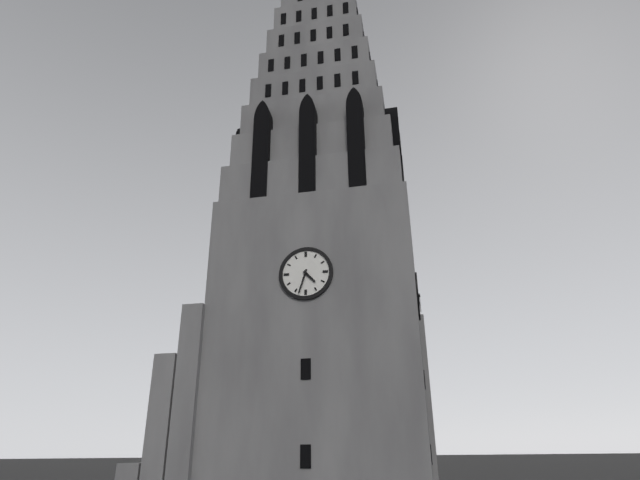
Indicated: 4:33
